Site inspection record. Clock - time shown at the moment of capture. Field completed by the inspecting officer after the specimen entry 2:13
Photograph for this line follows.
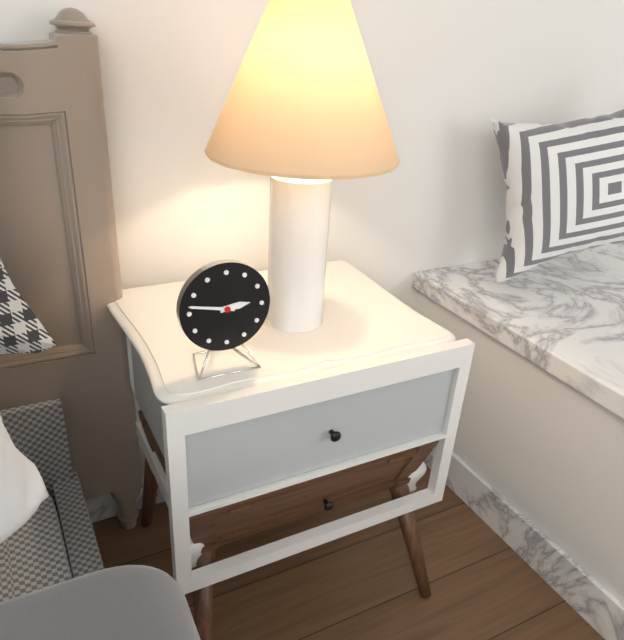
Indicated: 2:47
